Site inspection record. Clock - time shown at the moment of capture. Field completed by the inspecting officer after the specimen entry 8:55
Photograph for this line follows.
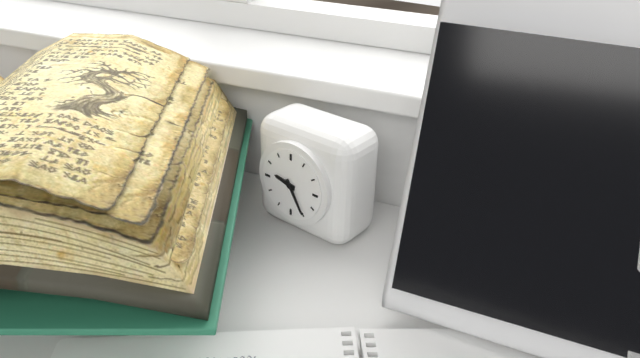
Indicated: 9:25
